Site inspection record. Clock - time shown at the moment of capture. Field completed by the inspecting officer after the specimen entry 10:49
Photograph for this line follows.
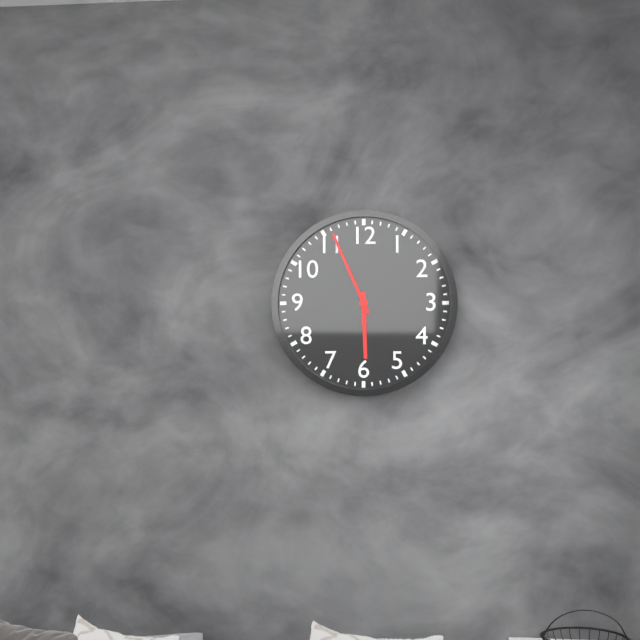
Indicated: 5:56
